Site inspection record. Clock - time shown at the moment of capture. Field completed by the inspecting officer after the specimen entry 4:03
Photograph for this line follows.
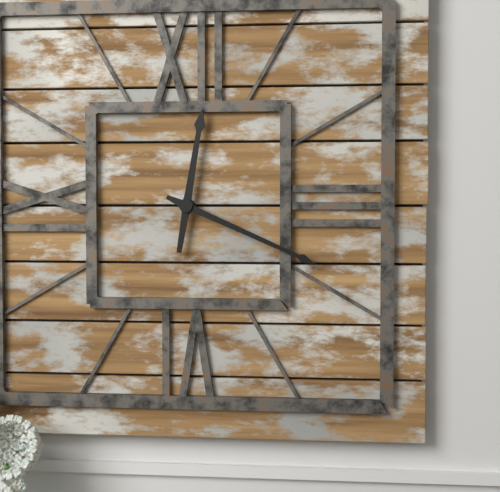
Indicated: 12:19
